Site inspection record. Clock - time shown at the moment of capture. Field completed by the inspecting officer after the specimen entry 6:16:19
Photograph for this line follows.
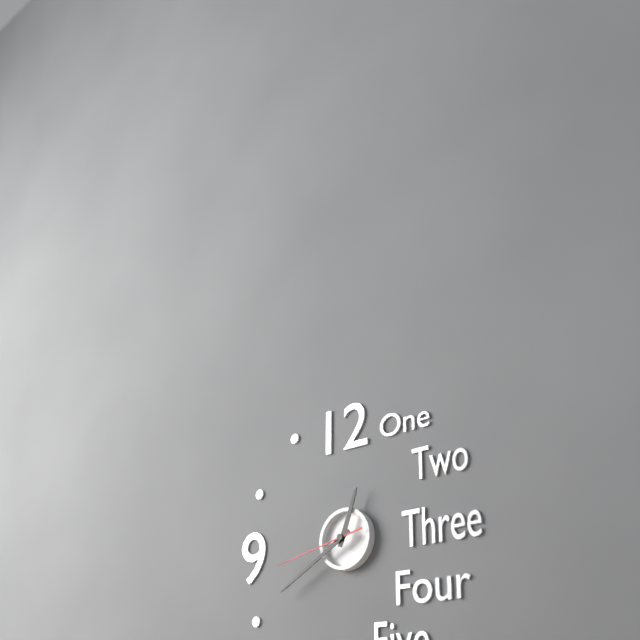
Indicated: 12:40:43
